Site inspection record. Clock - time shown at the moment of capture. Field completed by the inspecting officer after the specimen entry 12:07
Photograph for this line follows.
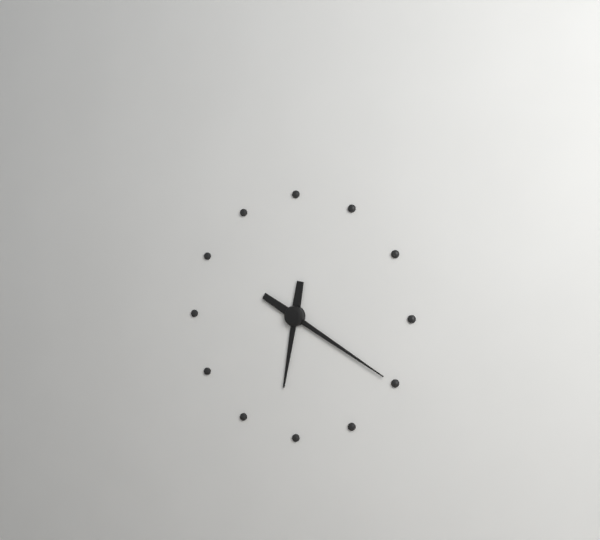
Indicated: 6:20
